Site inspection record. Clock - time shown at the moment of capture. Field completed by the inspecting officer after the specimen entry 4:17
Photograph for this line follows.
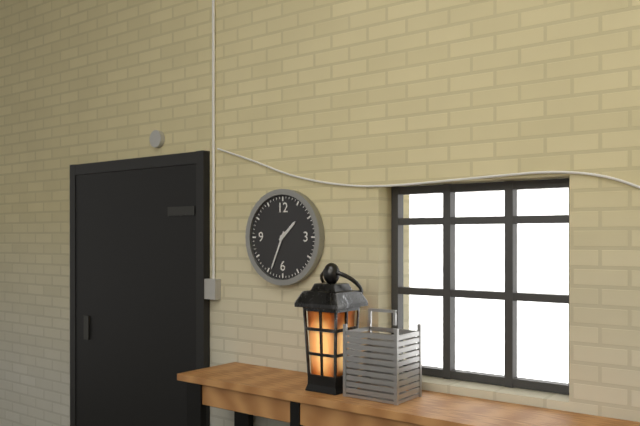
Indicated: 1:34
